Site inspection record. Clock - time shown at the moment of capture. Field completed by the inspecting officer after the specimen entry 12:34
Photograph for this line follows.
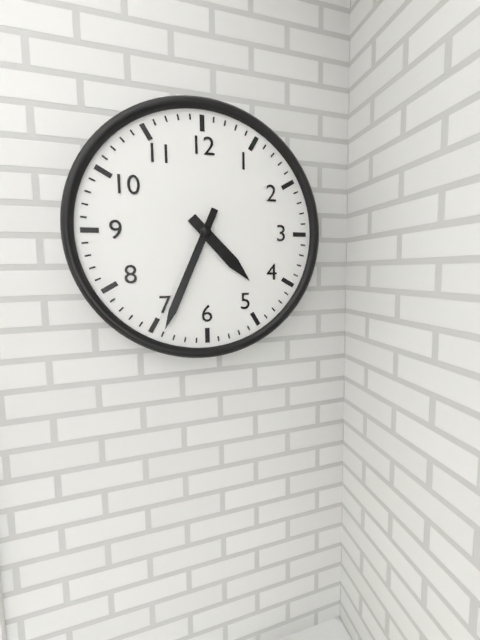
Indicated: 4:34
